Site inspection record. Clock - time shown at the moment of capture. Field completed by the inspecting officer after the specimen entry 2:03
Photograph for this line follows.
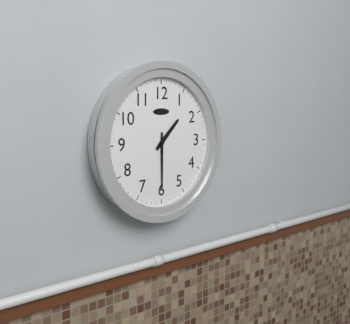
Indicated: 1:30
